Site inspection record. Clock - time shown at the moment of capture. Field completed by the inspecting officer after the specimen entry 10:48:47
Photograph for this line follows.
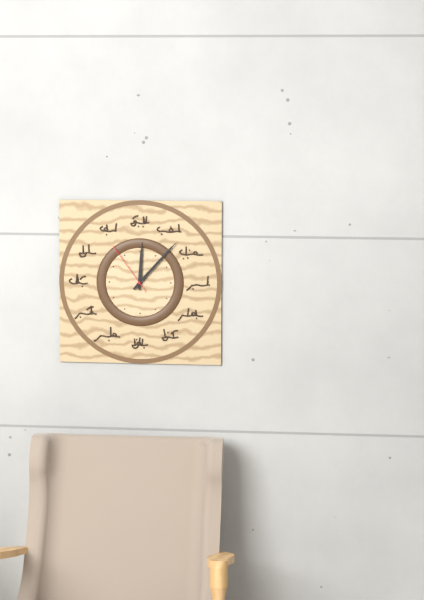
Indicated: 12:07:54
